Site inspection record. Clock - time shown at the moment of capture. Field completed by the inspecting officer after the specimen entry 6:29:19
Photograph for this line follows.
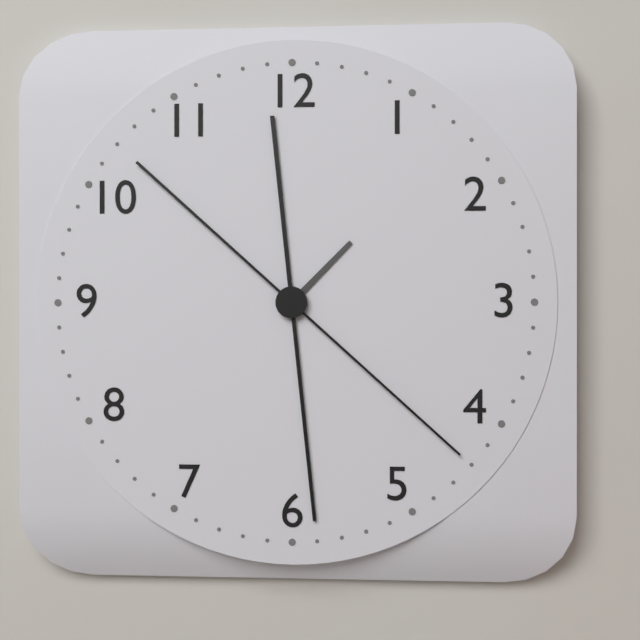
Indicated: 1:29:22
